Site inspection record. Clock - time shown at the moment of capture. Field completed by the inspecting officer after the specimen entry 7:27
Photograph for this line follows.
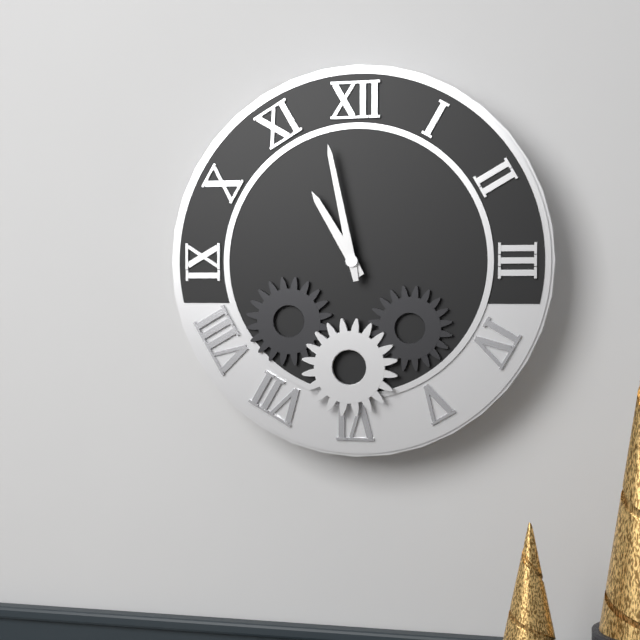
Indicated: 10:58
